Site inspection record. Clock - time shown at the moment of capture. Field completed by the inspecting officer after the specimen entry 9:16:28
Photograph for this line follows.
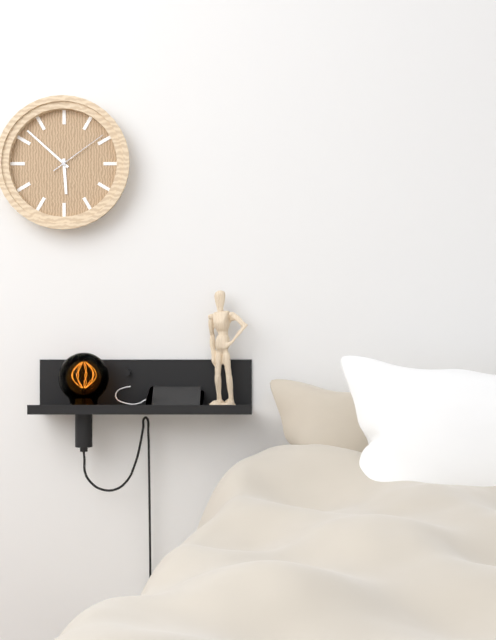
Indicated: 5:52:09
